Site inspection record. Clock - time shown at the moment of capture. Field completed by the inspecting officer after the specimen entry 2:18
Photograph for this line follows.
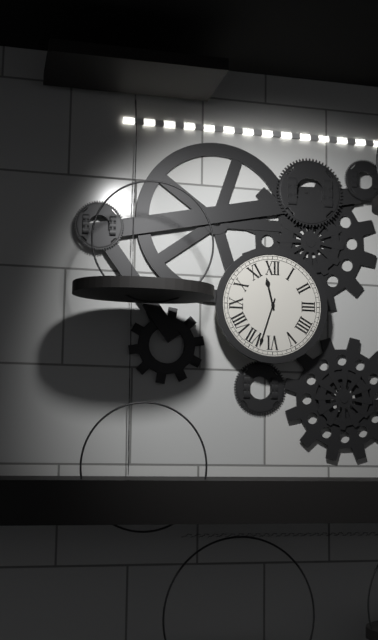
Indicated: 11:33
